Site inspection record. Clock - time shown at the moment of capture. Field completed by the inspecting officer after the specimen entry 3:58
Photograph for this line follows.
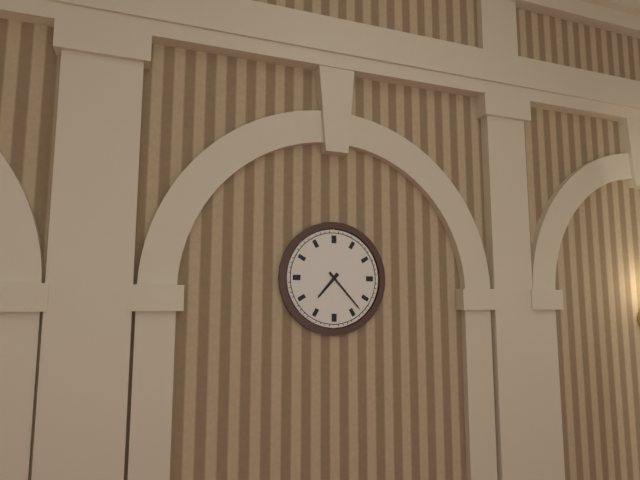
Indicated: 7:23
